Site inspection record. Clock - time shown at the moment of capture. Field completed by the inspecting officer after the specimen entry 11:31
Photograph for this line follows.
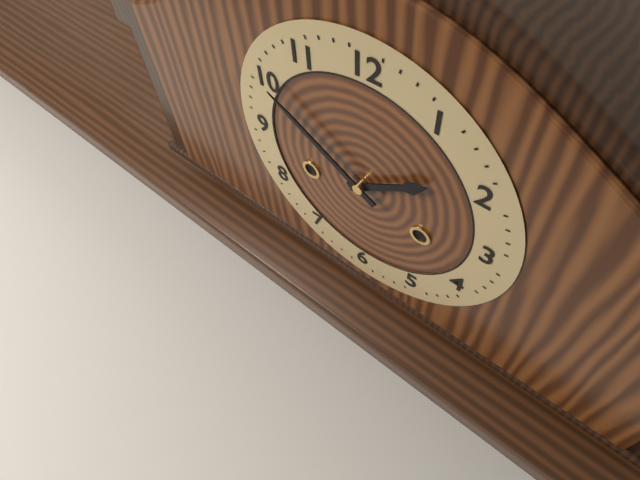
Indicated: 1:50
